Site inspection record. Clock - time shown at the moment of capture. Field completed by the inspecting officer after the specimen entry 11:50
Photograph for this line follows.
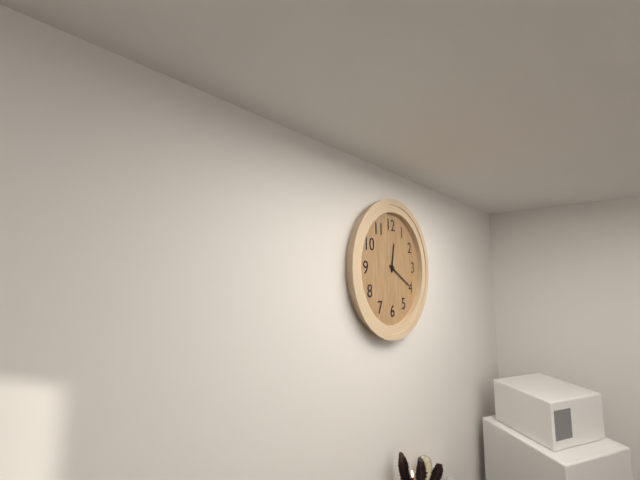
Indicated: 12:20
